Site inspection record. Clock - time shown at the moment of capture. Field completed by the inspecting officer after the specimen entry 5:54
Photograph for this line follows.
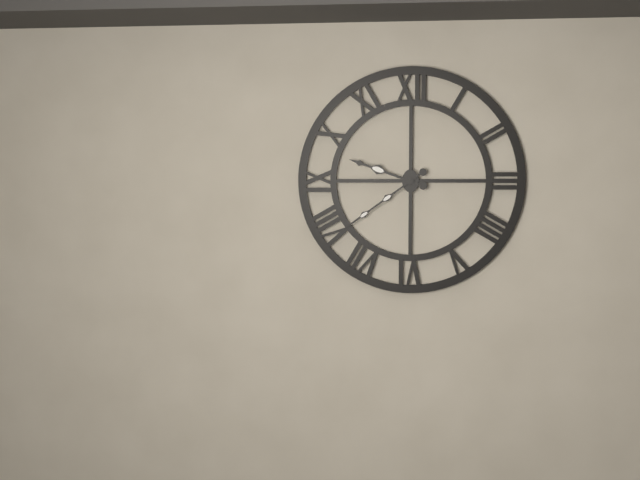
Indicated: 9:39
